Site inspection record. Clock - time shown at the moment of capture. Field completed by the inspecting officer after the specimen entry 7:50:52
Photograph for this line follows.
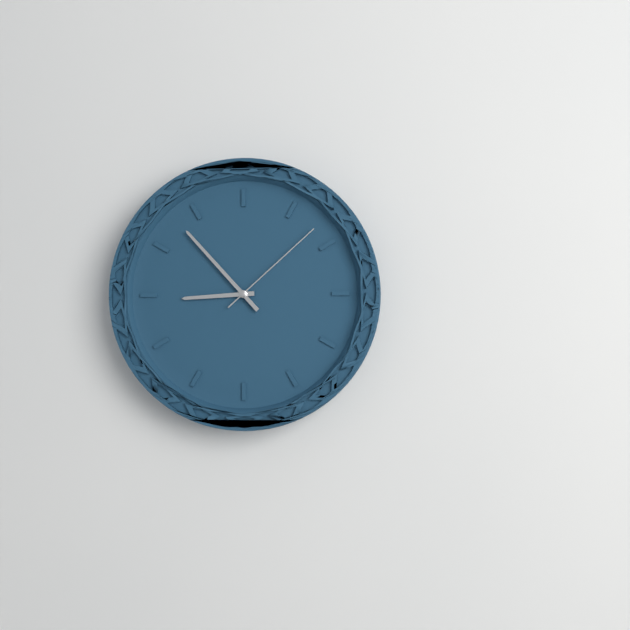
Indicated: 8:53:08
